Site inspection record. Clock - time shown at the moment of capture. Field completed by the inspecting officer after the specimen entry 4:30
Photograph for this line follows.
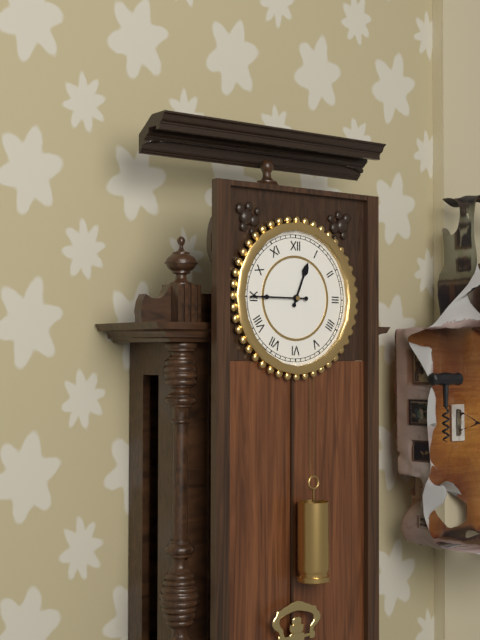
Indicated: 12:45
